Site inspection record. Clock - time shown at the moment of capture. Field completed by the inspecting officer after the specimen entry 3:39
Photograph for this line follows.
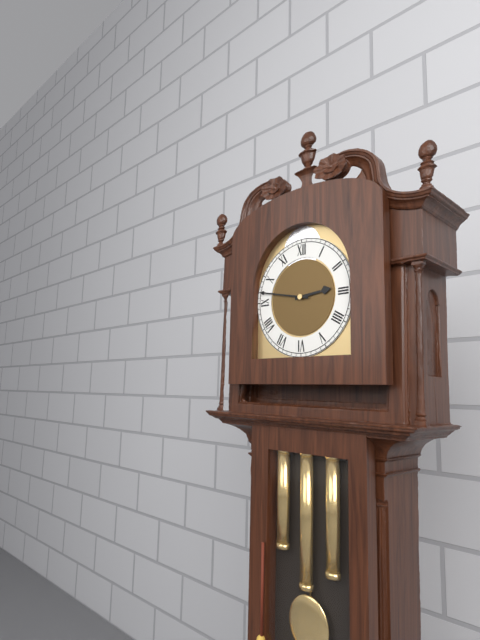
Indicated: 2:47
